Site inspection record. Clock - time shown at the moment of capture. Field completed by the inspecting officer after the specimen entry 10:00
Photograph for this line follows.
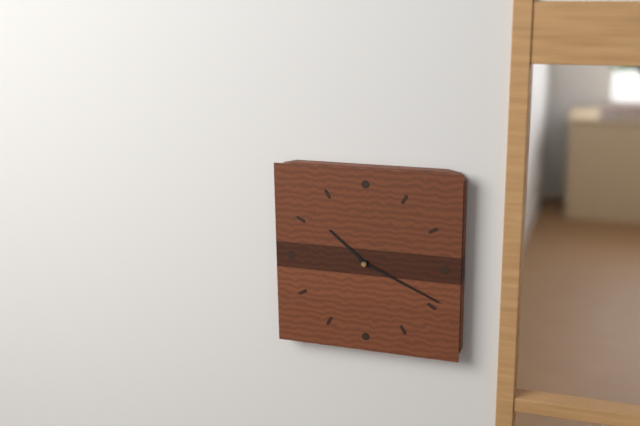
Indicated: 10:19
